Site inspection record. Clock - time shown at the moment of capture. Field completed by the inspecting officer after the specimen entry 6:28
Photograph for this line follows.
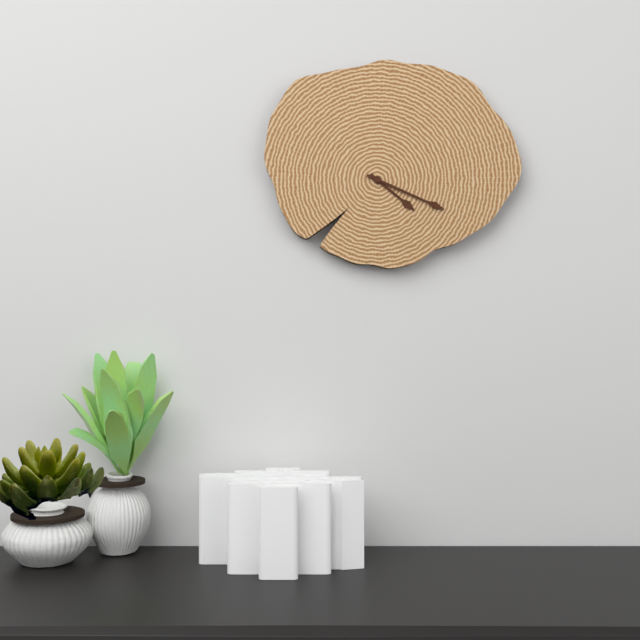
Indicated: 4:19
